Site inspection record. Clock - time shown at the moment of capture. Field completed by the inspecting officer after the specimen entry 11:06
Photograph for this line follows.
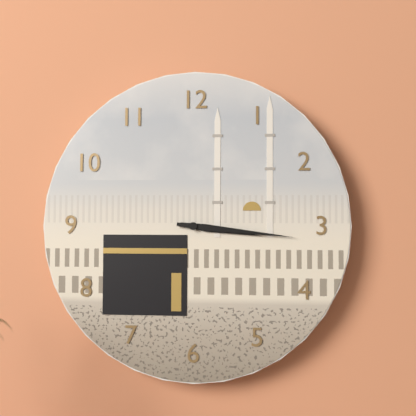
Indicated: 3:16
